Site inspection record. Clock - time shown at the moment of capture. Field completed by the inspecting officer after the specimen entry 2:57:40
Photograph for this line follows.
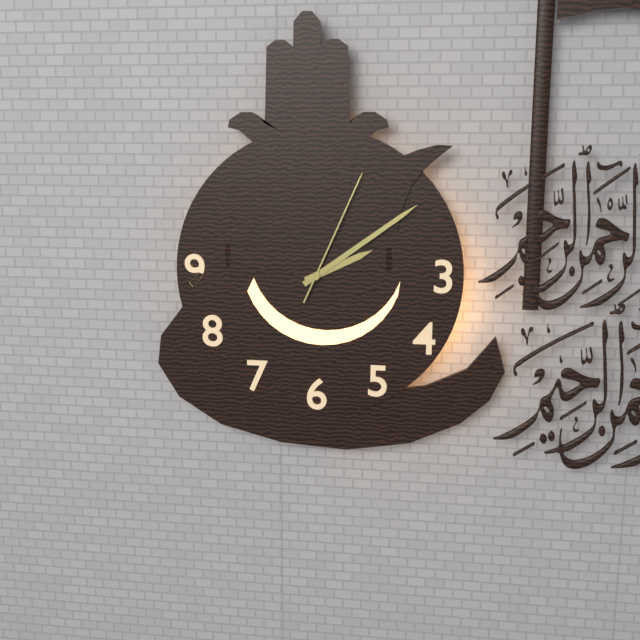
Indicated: 2:09:04
